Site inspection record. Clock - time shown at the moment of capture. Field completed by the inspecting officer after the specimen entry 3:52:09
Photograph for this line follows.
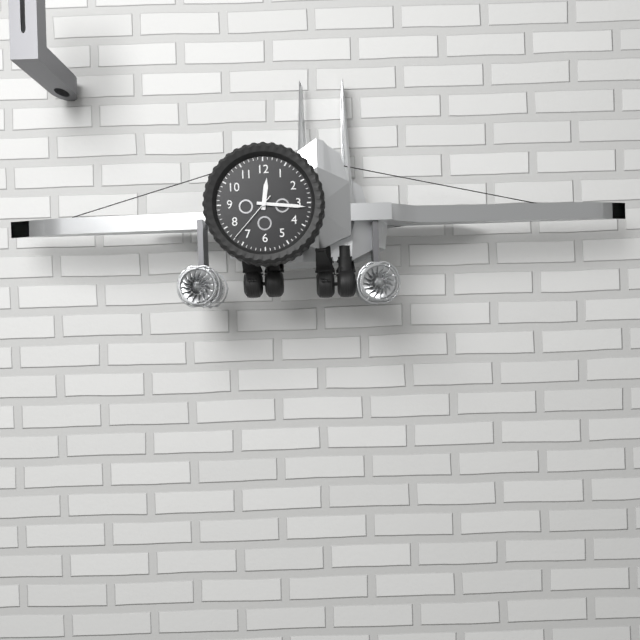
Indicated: 12:16:37
